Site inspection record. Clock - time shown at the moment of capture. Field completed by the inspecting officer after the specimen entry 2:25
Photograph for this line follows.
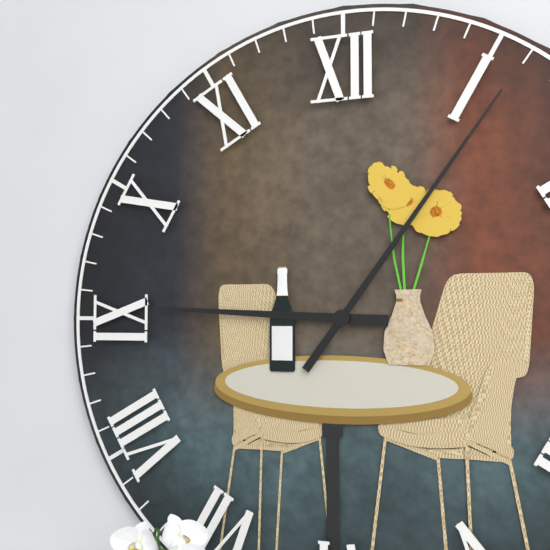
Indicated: 9:06
